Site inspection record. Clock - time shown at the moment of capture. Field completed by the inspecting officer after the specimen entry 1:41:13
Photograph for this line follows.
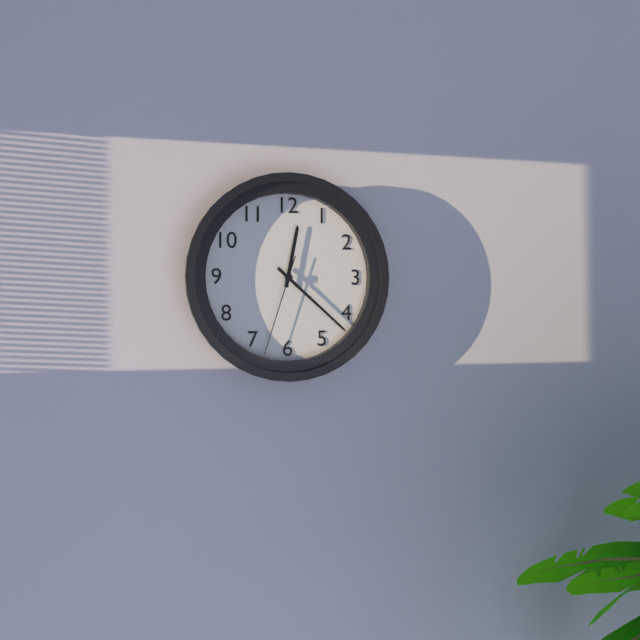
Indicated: 12:22:33
